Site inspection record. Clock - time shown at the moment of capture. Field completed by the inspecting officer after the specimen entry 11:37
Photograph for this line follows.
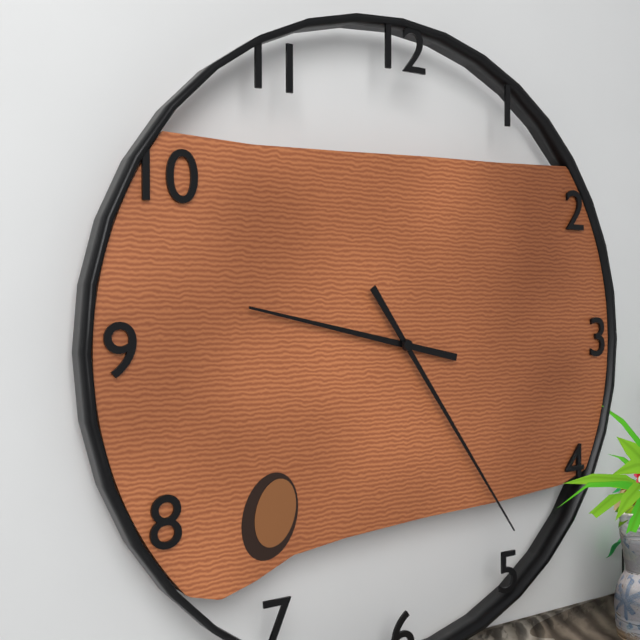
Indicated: 9:24
